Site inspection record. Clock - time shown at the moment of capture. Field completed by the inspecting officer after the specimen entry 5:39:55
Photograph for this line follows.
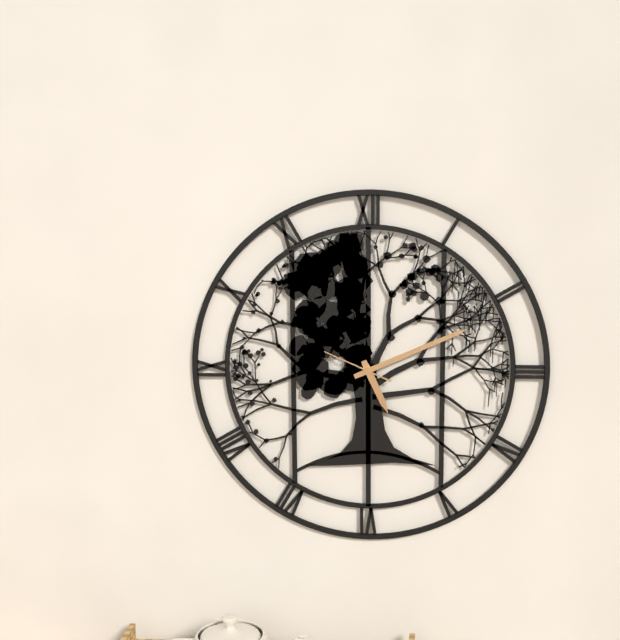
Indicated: 5:11:49
